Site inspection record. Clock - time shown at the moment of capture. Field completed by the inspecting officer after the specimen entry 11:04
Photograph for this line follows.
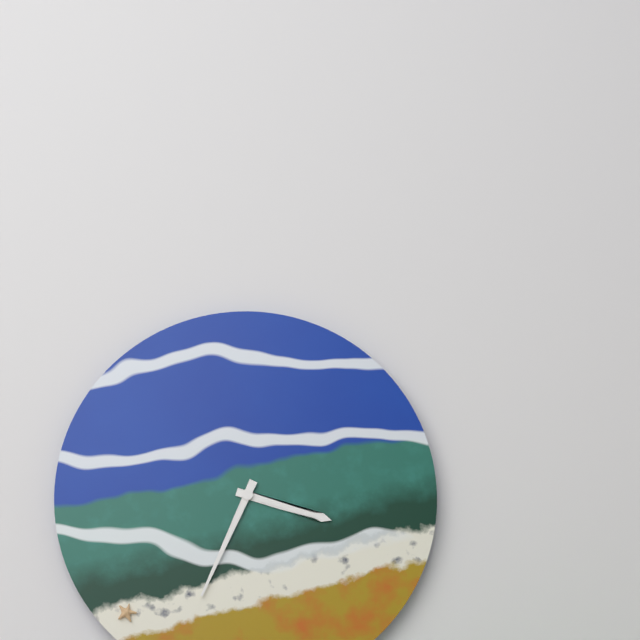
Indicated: 3:34
